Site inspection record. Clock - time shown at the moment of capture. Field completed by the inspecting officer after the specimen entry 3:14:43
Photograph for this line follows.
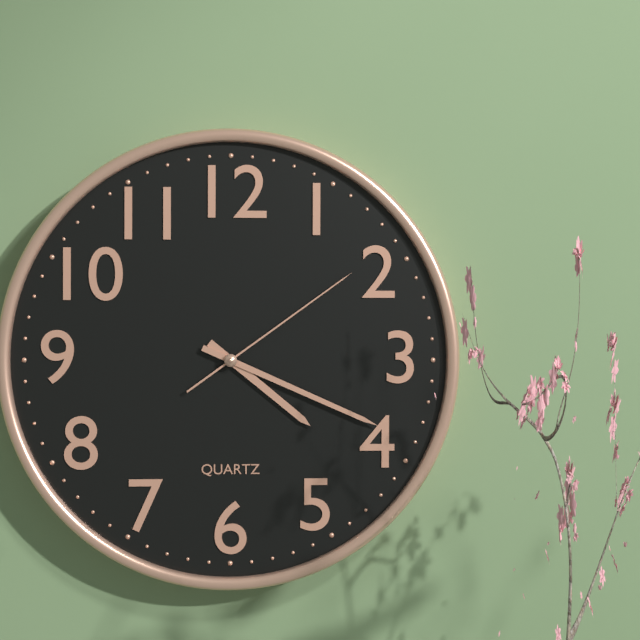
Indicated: 4:19:09
